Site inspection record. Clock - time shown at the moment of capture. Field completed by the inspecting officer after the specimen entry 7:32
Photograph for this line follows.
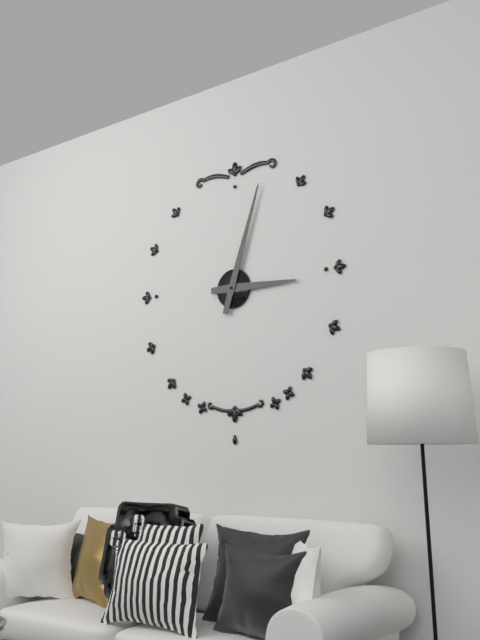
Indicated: 3:03
